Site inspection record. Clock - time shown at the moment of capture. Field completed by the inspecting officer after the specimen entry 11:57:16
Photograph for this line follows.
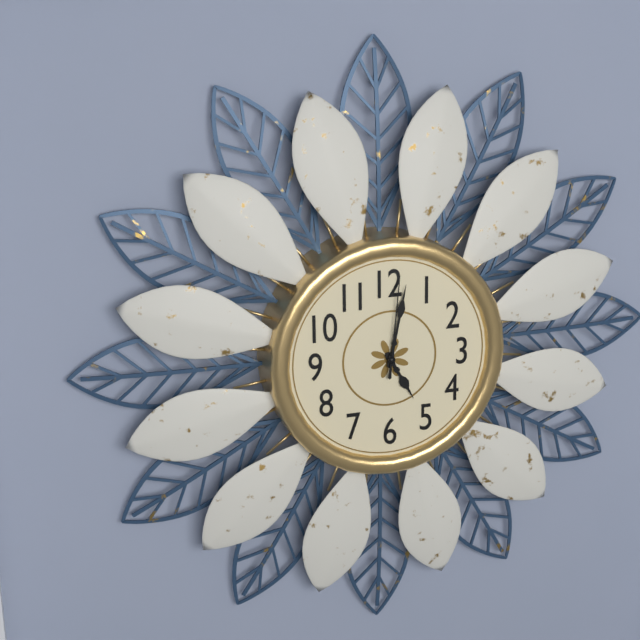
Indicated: 5:02:01
